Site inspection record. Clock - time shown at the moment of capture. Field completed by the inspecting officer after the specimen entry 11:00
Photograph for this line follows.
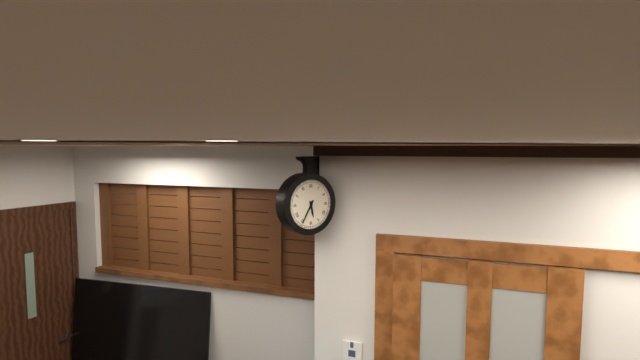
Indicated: 5:35
